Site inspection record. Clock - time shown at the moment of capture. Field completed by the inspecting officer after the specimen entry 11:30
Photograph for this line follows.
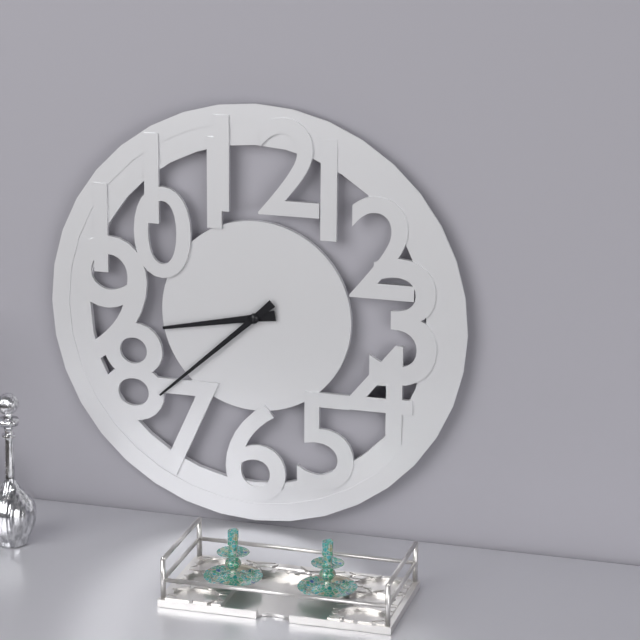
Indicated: 8:38
